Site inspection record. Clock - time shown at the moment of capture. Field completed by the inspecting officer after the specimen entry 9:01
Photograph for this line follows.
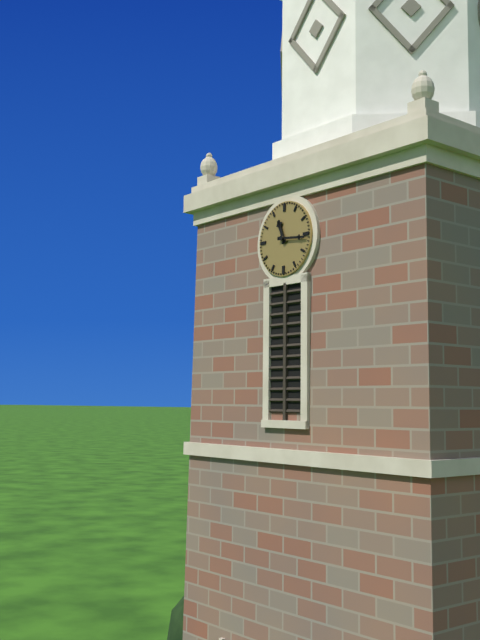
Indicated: 11:16
